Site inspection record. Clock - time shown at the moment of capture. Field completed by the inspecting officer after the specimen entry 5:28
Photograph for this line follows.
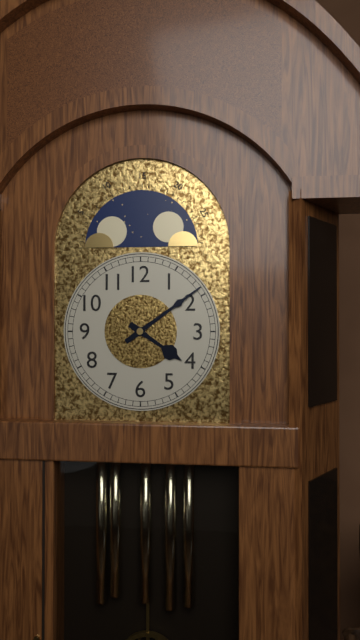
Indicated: 4:09
